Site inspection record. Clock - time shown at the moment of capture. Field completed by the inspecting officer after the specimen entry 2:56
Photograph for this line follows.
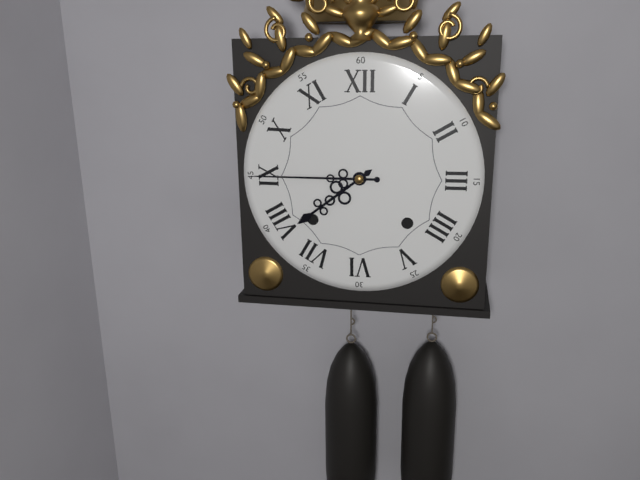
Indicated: 7:45
